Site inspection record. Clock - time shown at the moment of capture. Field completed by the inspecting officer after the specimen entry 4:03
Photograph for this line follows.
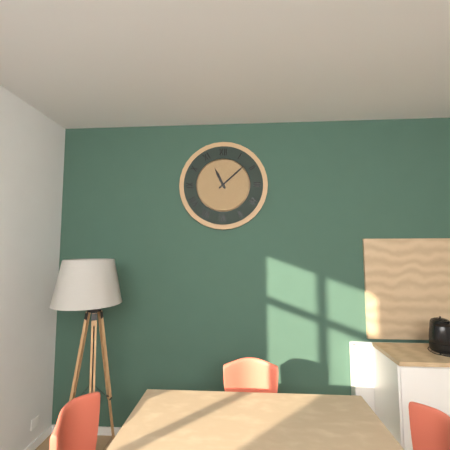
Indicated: 11:08
